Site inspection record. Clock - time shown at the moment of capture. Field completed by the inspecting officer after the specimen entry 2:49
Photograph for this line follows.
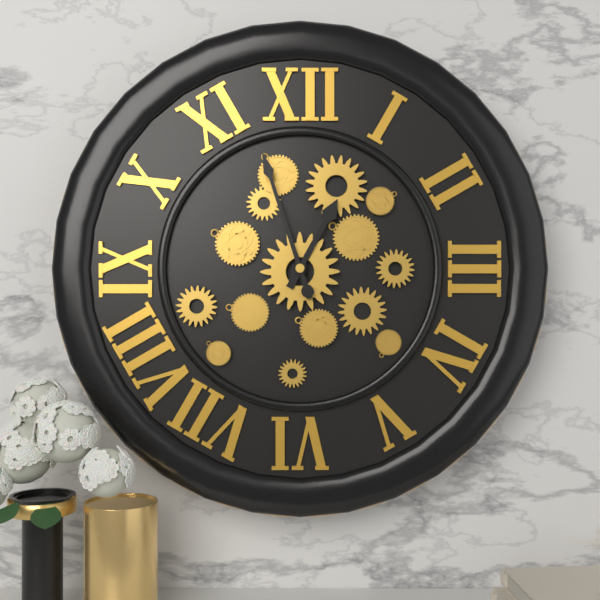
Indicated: 12:57
